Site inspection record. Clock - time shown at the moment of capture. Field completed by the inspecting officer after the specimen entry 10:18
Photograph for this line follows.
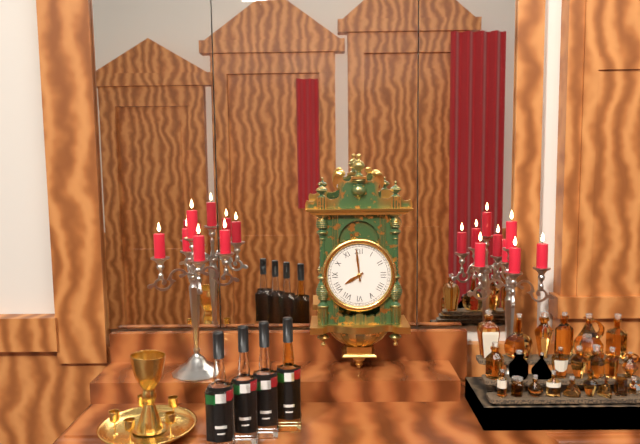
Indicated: 7:59
